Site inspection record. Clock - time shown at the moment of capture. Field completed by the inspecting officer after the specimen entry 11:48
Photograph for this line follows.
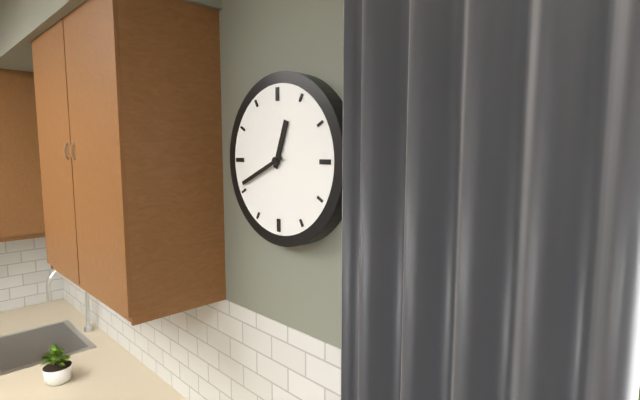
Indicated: 12:41
